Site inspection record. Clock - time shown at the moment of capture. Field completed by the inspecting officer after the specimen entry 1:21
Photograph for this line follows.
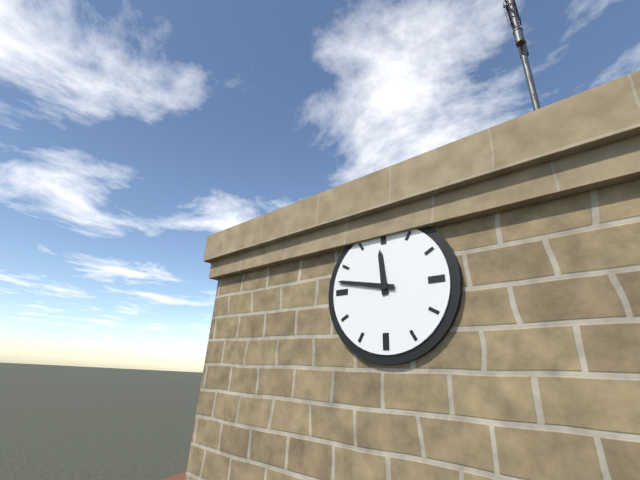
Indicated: 11:47
